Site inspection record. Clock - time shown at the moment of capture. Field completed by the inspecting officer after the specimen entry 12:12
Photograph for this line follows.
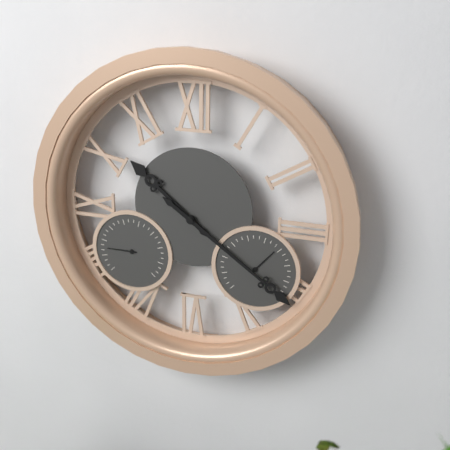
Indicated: 10:21
